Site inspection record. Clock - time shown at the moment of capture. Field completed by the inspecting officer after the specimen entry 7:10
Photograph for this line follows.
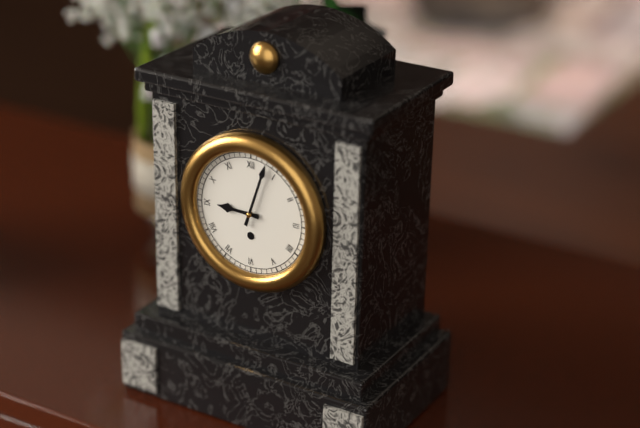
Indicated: 9:03
